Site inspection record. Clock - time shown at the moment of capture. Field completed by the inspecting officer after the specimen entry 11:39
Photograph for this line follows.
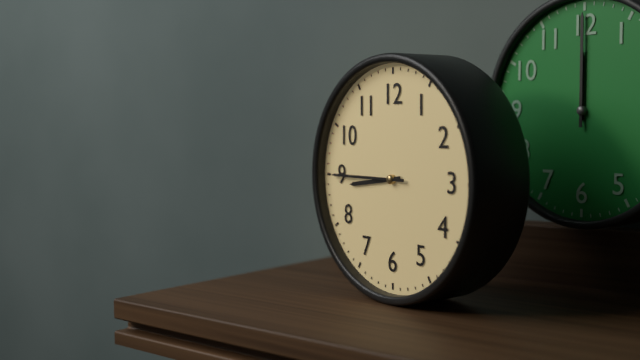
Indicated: 8:45
